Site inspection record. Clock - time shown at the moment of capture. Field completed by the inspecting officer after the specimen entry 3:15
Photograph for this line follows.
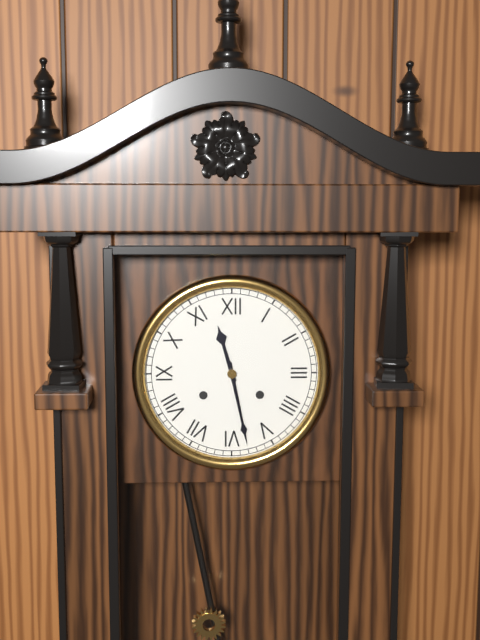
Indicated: 11:28
